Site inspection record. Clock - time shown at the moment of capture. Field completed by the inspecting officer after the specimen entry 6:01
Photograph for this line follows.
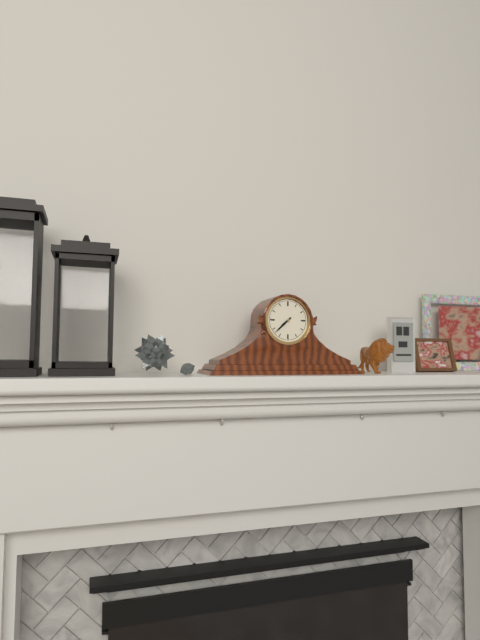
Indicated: 7:38
